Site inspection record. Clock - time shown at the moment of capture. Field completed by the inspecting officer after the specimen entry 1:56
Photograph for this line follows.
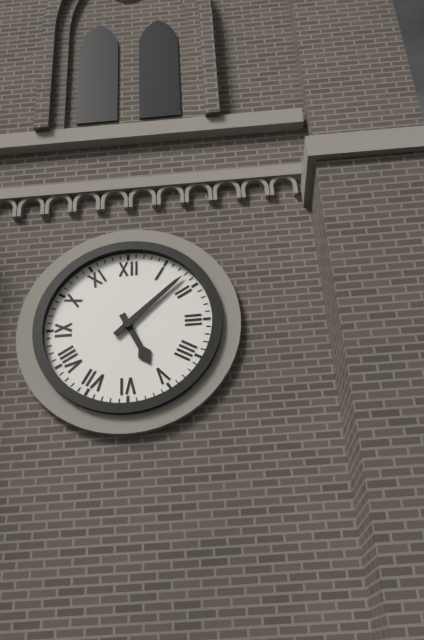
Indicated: 5:08
